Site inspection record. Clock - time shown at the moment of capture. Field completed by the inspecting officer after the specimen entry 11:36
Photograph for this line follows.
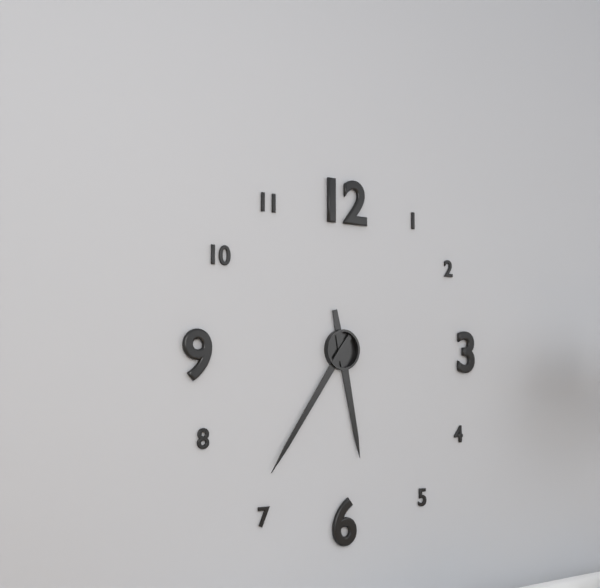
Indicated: 5:36
